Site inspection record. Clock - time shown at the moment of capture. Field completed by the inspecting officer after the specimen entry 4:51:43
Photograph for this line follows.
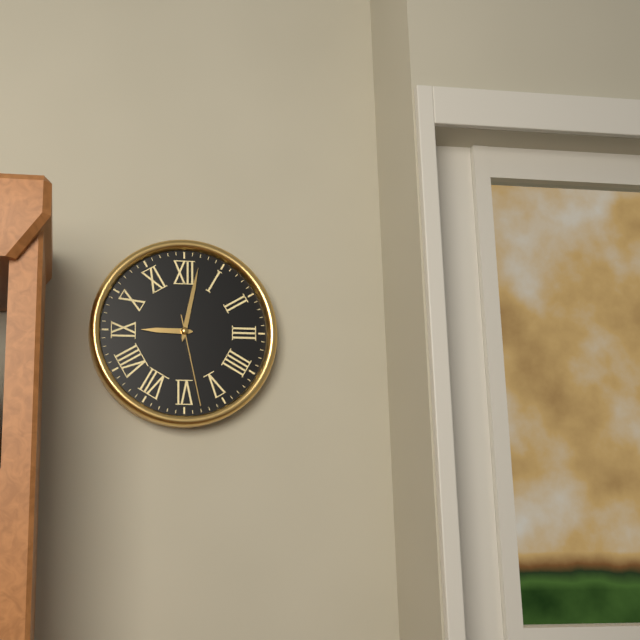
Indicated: 9:02:28
